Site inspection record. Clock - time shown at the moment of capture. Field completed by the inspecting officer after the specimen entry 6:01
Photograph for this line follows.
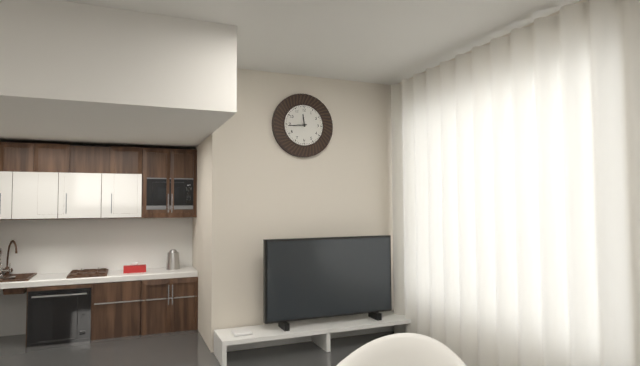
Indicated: 11:44
